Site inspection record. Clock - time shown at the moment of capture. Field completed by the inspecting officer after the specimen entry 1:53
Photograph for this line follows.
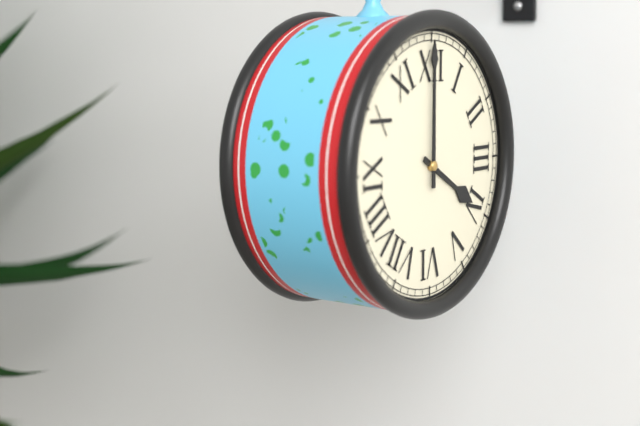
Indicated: 4:00
